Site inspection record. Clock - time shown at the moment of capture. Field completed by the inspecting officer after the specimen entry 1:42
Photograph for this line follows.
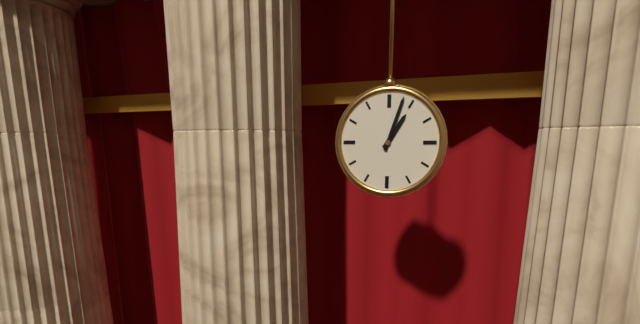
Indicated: 1:03
